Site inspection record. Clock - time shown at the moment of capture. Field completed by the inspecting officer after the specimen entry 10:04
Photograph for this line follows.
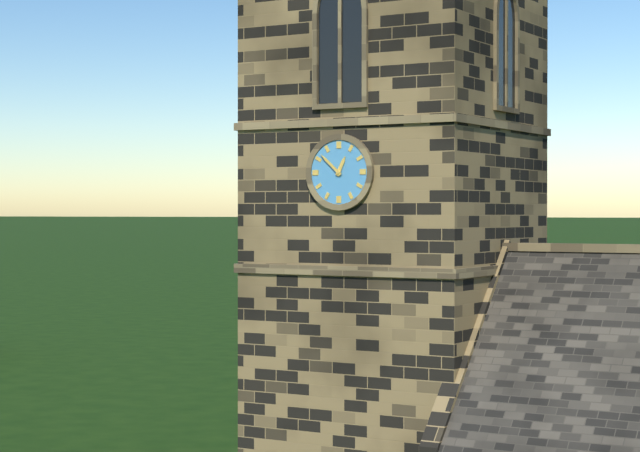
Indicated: 12:52
